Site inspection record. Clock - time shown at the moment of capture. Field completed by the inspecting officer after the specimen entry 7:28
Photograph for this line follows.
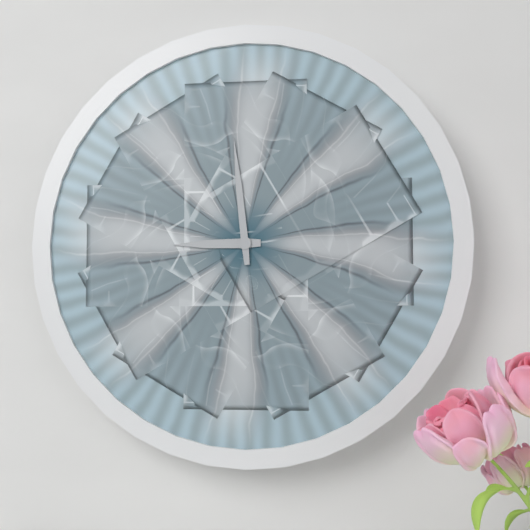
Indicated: 8:59
